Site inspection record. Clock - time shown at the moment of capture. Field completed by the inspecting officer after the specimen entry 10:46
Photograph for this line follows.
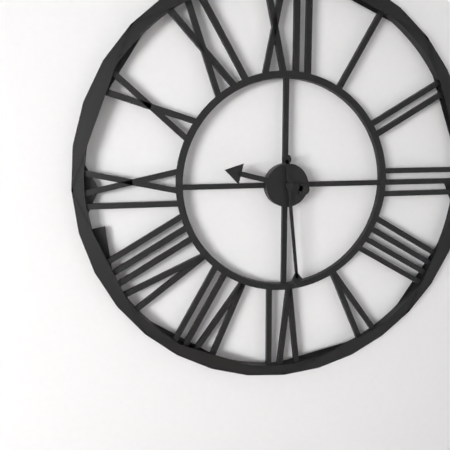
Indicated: 9:29
